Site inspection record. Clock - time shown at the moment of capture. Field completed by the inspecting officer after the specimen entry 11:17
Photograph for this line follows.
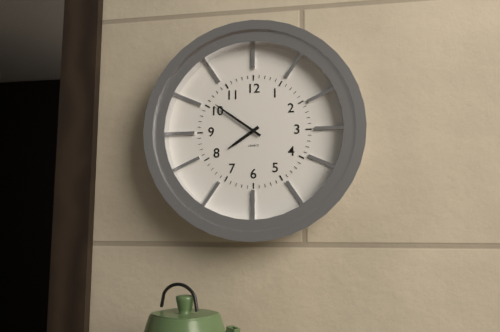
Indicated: 7:51
